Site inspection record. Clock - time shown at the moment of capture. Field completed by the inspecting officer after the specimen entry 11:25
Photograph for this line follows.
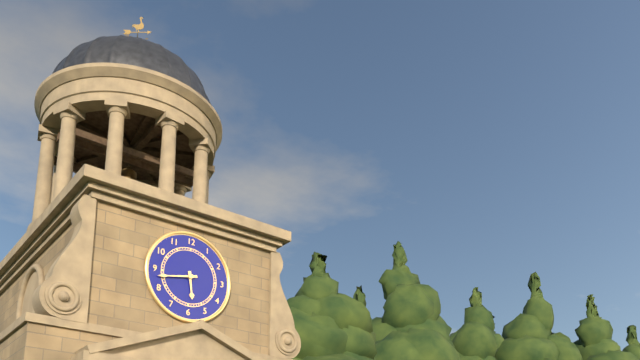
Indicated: 5:43
